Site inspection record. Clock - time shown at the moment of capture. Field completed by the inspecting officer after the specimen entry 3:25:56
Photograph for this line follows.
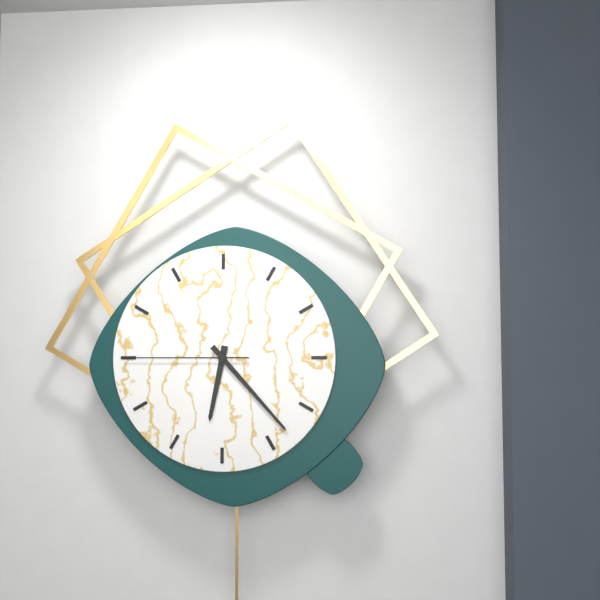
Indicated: 6:23:45
